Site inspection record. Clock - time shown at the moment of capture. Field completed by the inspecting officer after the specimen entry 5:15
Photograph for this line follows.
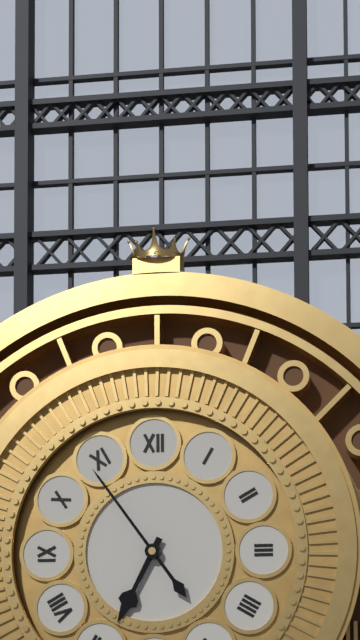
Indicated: 6:54
